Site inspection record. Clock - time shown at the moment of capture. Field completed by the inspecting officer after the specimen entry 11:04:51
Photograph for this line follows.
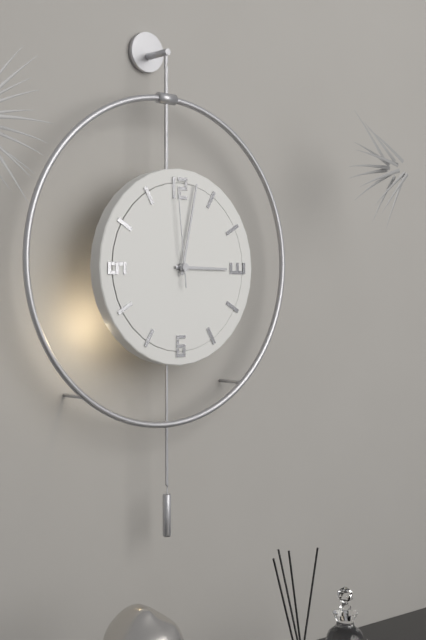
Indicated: 3:02:59
